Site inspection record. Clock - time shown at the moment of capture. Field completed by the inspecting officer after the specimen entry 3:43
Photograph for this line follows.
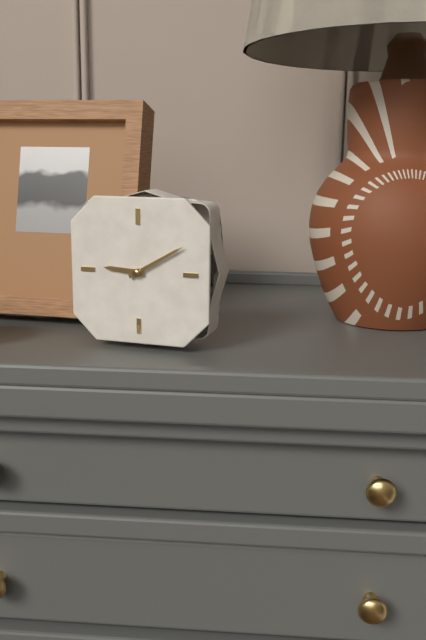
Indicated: 9:10
